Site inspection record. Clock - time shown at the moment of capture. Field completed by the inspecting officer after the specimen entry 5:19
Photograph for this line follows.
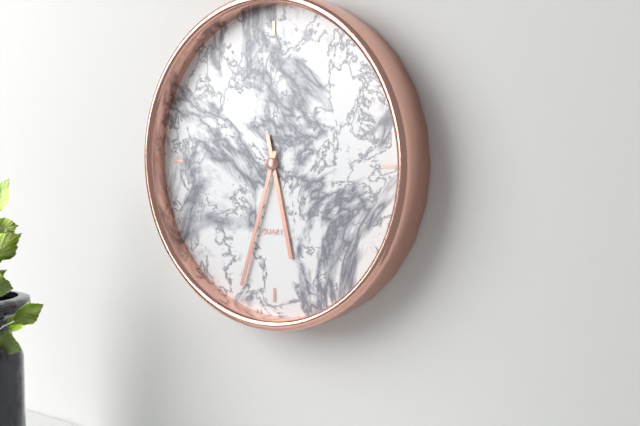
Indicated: 5:33
